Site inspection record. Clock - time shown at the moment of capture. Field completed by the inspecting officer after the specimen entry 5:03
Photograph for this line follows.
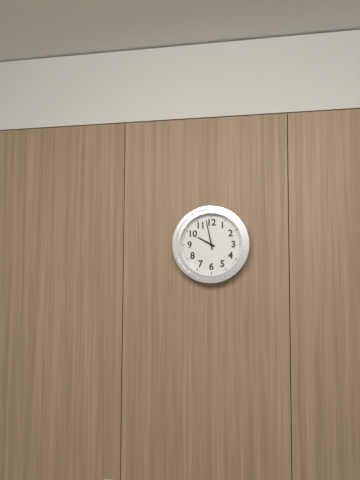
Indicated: 9:58
